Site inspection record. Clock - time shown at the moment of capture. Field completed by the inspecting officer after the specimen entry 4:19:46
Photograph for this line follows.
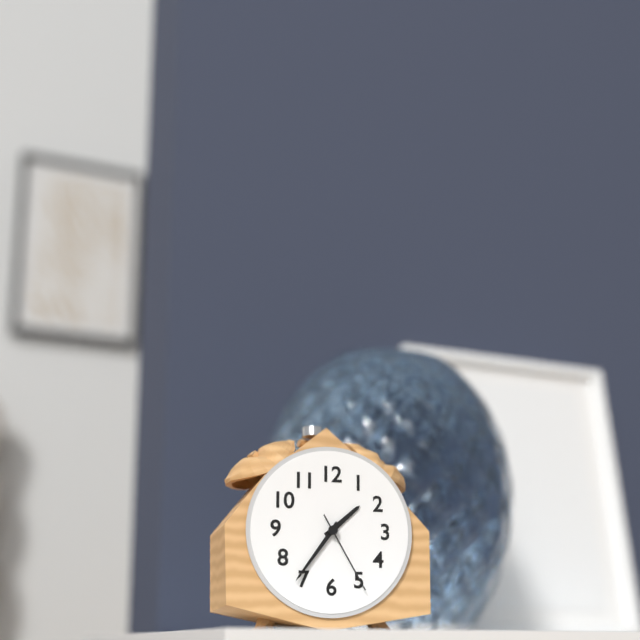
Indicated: 1:36:25
